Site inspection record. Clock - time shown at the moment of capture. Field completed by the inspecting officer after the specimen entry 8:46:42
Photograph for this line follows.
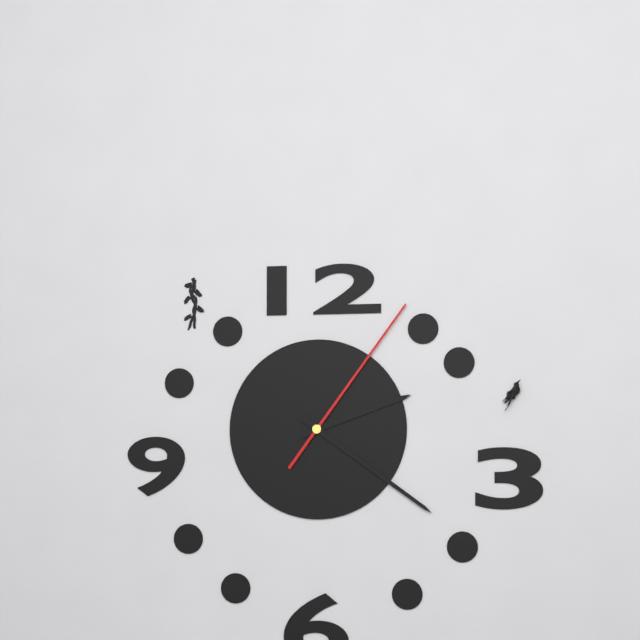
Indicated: 2:21:06
